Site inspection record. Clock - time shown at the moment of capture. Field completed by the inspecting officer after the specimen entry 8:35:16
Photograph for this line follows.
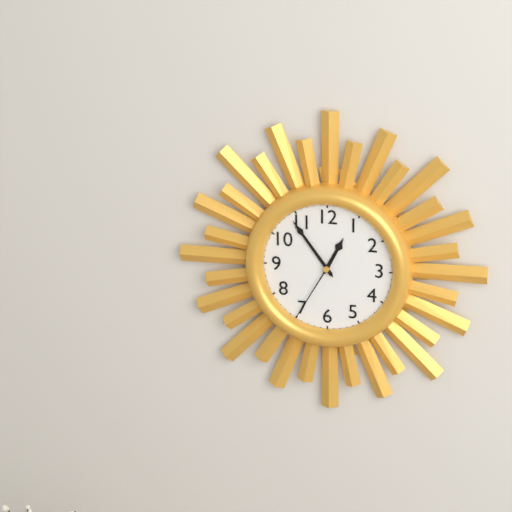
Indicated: 12:54:35
